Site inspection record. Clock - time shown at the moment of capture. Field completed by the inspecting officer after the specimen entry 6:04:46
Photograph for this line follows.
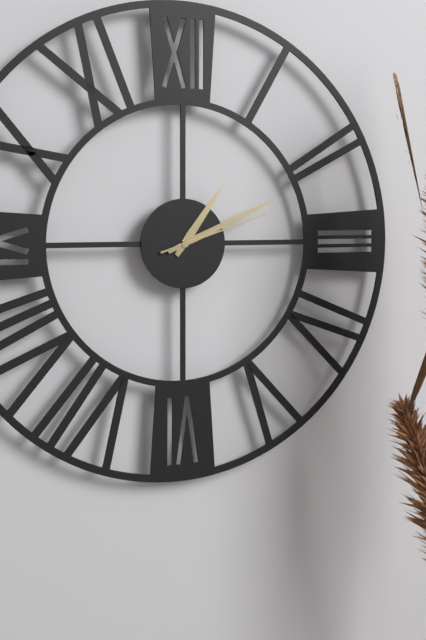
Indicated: 1:11:12
